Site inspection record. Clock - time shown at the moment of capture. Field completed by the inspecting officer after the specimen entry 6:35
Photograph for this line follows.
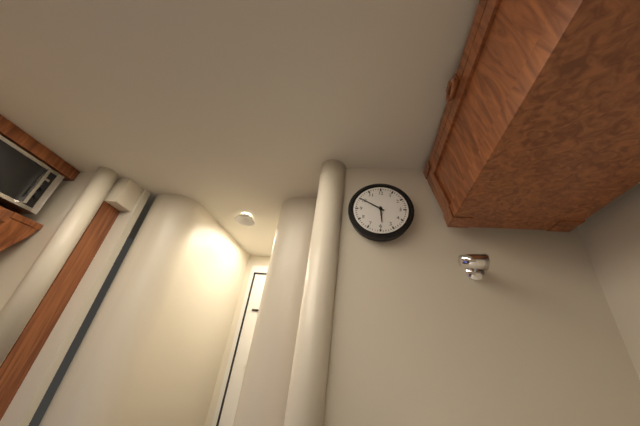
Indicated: 5:50
